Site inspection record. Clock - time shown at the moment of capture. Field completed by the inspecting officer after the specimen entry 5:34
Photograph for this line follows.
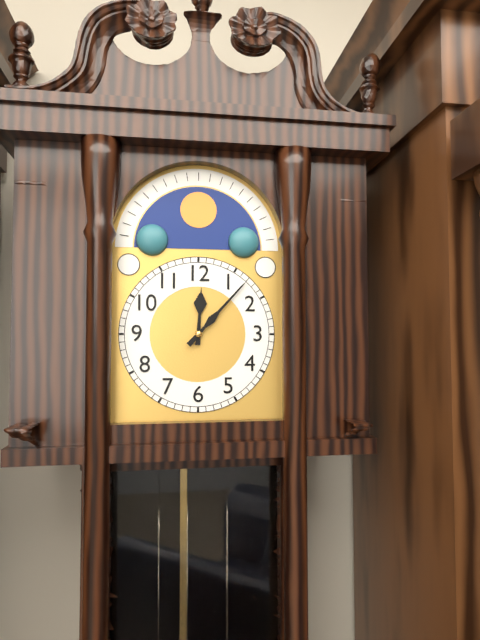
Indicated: 12:07
